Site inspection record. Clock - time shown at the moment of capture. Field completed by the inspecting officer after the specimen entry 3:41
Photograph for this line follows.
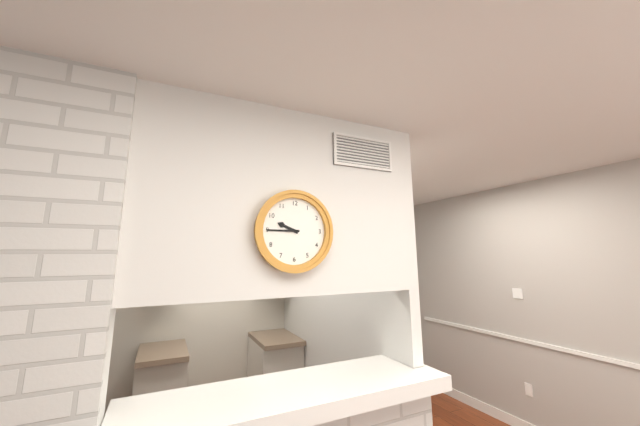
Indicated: 9:45
